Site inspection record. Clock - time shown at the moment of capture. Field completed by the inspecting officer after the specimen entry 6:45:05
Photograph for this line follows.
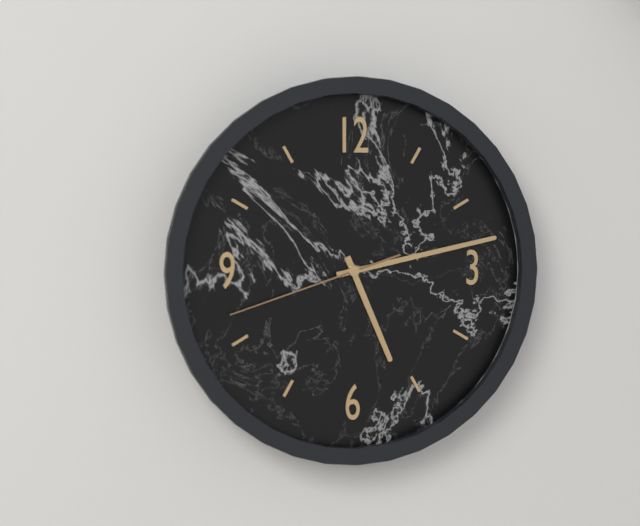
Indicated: 5:13:42
